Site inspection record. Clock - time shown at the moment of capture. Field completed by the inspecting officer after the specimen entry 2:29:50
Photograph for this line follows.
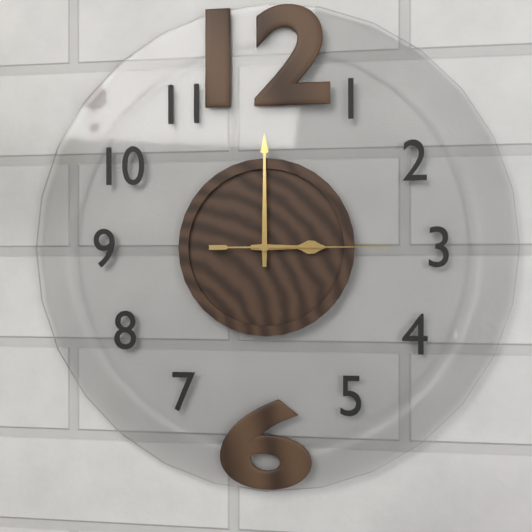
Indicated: 3:00:15
